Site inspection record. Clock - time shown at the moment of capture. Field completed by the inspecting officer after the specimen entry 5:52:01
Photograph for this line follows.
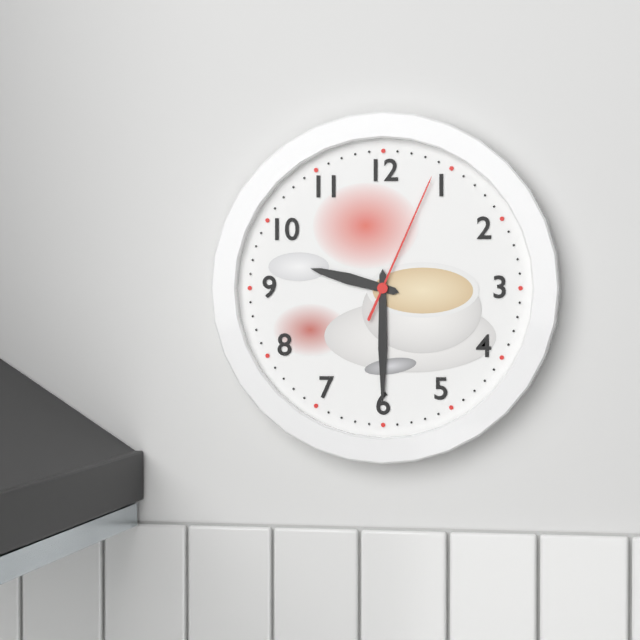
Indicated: 9:30:04
